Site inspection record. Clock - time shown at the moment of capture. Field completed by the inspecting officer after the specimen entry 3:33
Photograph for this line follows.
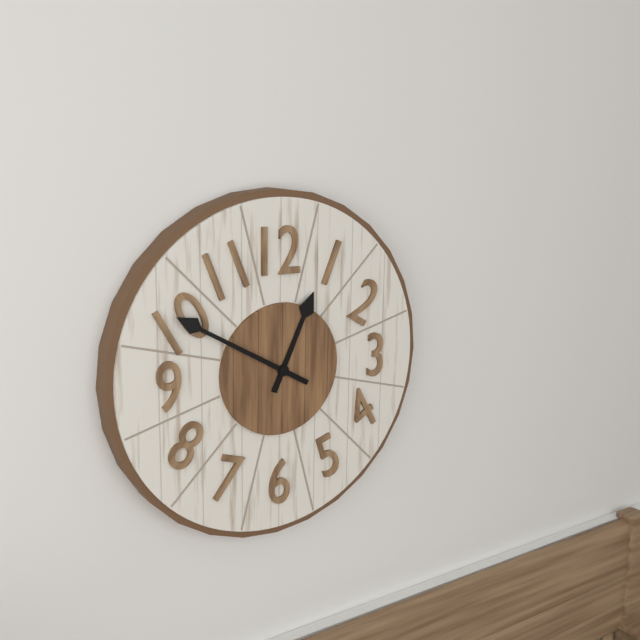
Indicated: 12:50
